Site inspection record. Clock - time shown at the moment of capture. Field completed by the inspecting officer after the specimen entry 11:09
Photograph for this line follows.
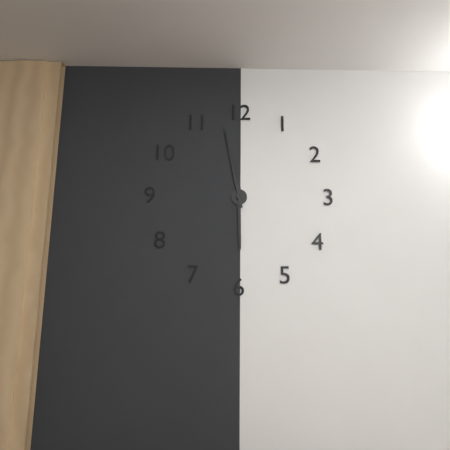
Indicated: 5:58
